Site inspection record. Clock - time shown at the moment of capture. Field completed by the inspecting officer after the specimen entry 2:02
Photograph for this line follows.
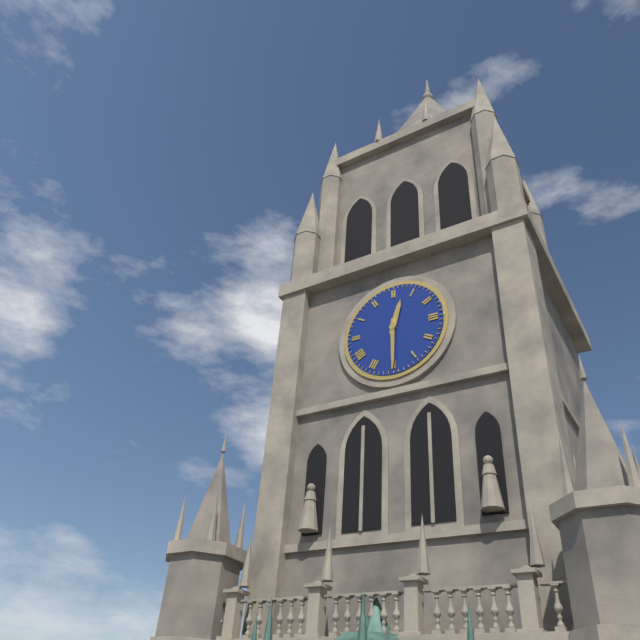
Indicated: 12:30
